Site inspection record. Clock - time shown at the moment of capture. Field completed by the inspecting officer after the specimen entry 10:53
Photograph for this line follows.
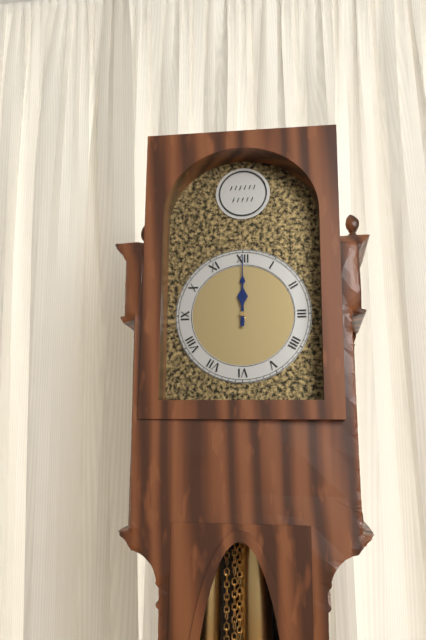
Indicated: 12:00
